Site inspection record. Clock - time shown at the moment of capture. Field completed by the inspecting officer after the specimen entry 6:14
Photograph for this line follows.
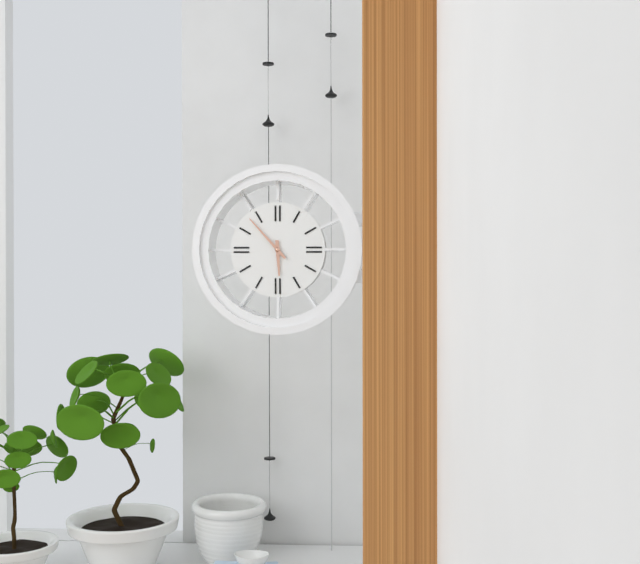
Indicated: 5:53
